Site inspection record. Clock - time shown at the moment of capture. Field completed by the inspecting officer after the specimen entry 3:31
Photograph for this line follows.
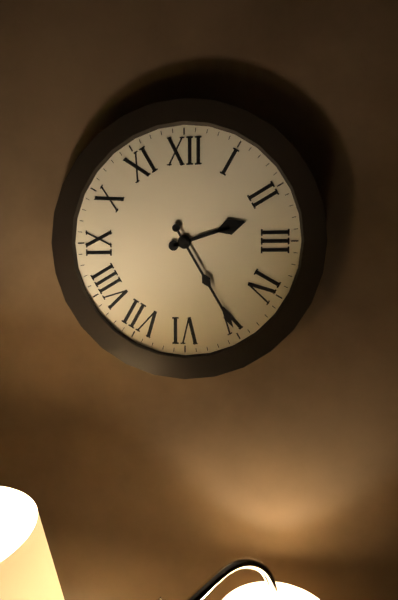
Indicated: 2:25
